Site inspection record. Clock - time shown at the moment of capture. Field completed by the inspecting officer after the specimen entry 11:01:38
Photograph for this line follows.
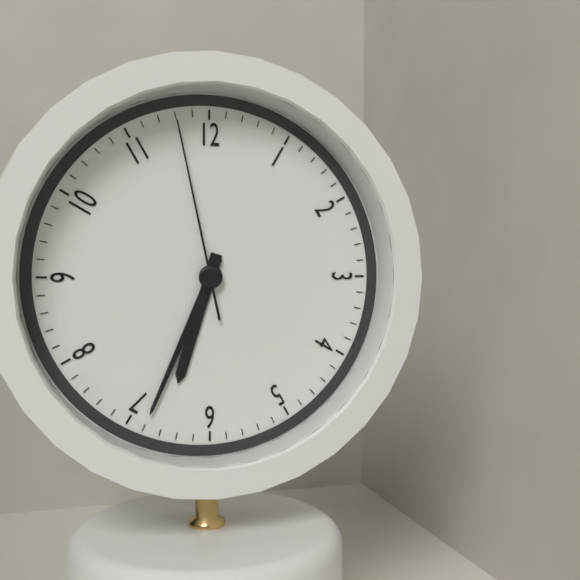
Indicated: 6:34:58
